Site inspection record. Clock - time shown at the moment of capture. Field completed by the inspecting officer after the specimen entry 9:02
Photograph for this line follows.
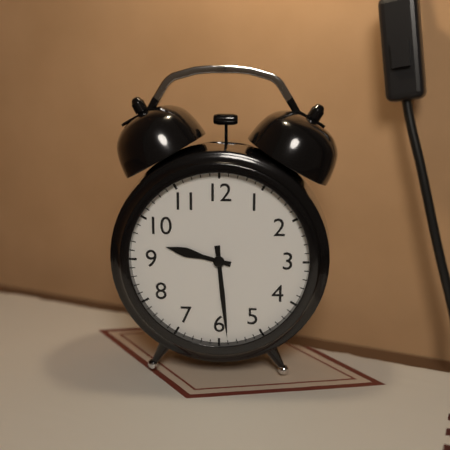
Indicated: 9:29
